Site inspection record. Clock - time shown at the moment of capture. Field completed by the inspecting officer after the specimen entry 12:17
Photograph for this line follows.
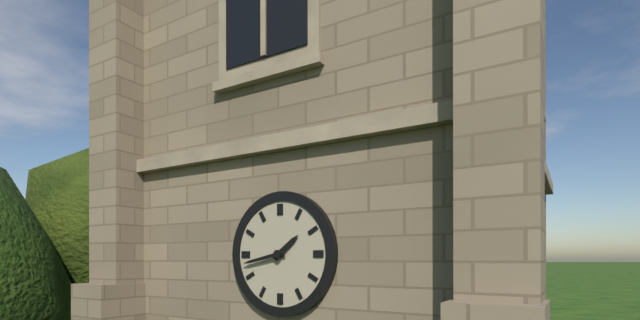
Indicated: 1:43
